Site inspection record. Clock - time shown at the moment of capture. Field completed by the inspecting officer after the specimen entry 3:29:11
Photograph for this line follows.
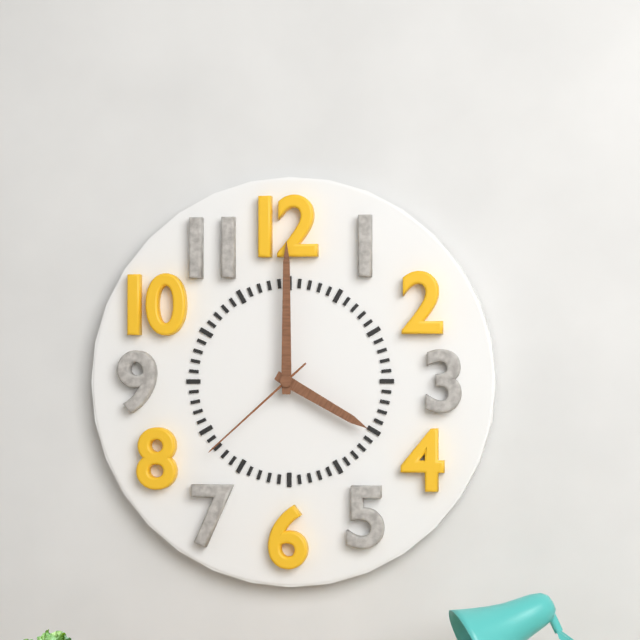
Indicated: 4:00:38
